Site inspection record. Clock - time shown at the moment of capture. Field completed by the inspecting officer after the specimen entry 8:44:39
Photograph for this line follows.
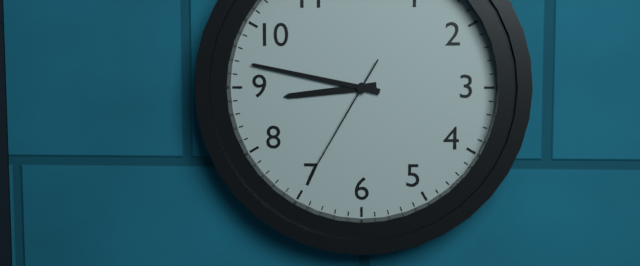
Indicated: 8:47:35
